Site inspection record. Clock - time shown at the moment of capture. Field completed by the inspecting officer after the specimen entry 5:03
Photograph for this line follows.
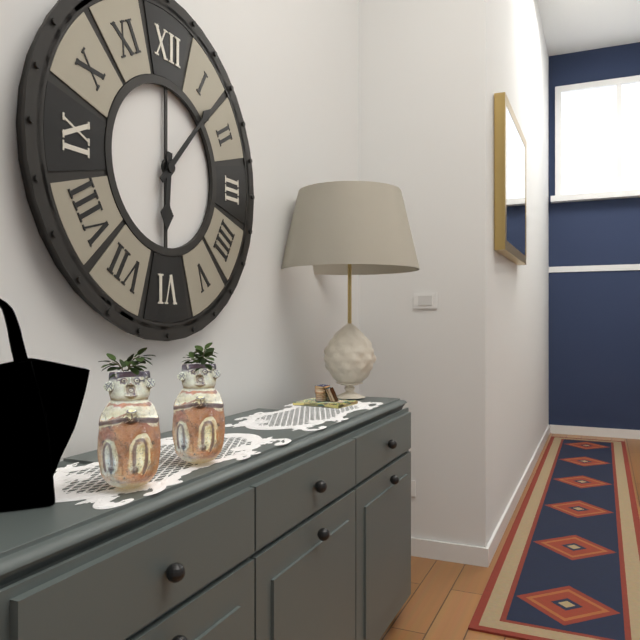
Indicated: 6:07
